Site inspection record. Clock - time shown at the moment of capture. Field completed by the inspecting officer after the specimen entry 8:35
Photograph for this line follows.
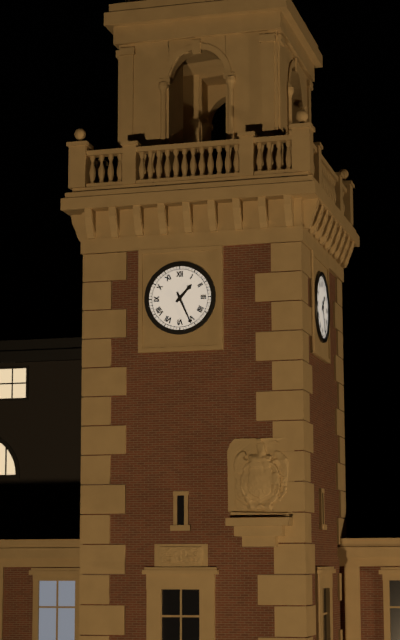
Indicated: 1:26
